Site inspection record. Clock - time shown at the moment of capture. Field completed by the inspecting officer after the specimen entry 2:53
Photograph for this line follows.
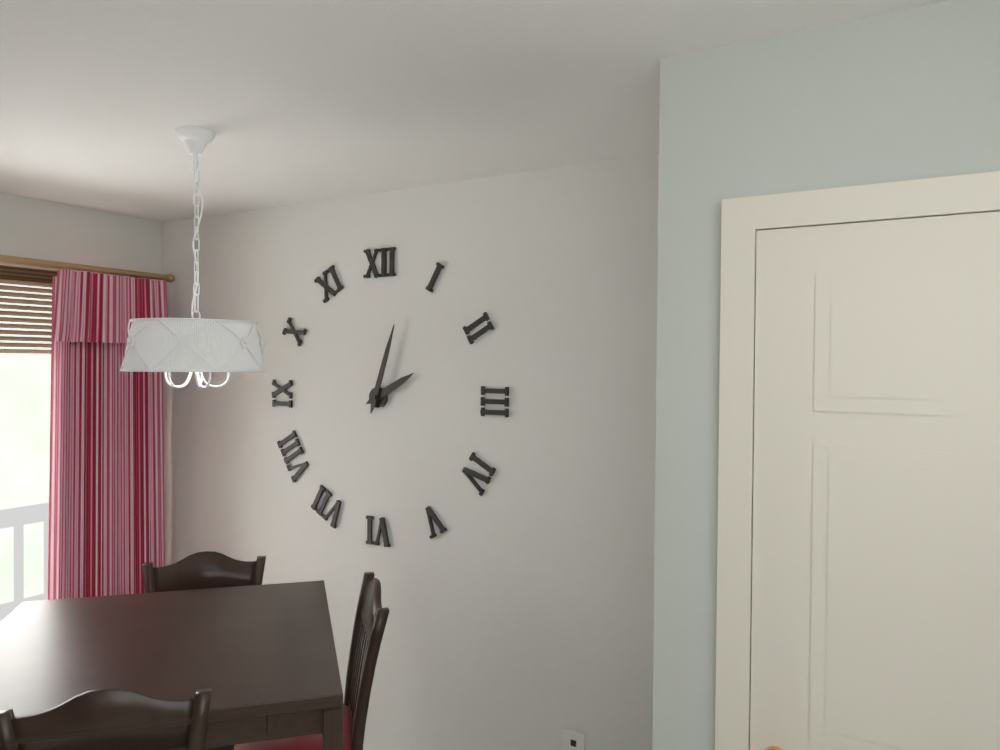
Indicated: 2:03
